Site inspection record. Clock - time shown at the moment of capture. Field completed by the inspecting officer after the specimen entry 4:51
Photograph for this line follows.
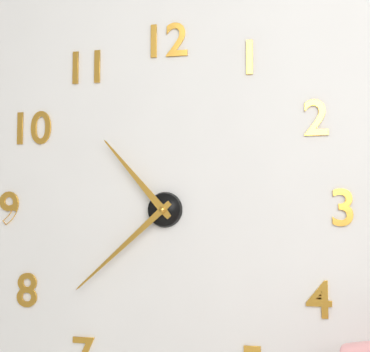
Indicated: 10:38
